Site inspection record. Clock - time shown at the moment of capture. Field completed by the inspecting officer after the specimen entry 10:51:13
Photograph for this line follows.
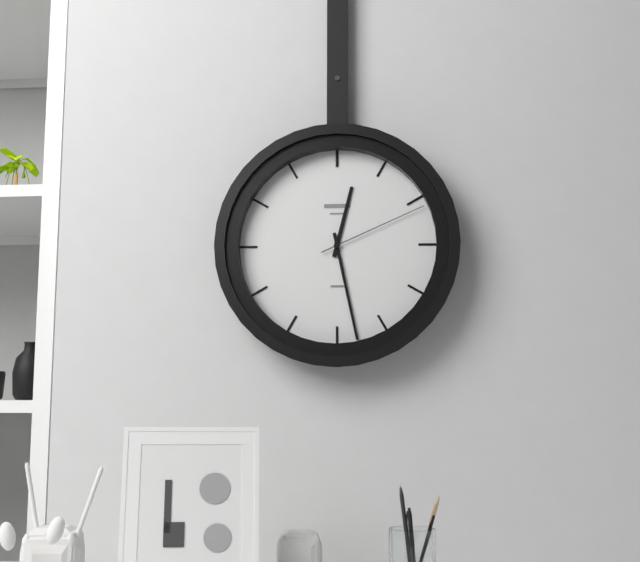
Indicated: 12:28:11
